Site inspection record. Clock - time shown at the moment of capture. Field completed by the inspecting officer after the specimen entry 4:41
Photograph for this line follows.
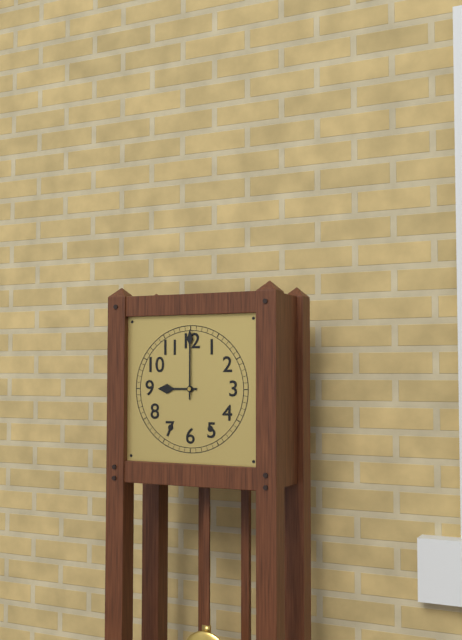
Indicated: 9:00
